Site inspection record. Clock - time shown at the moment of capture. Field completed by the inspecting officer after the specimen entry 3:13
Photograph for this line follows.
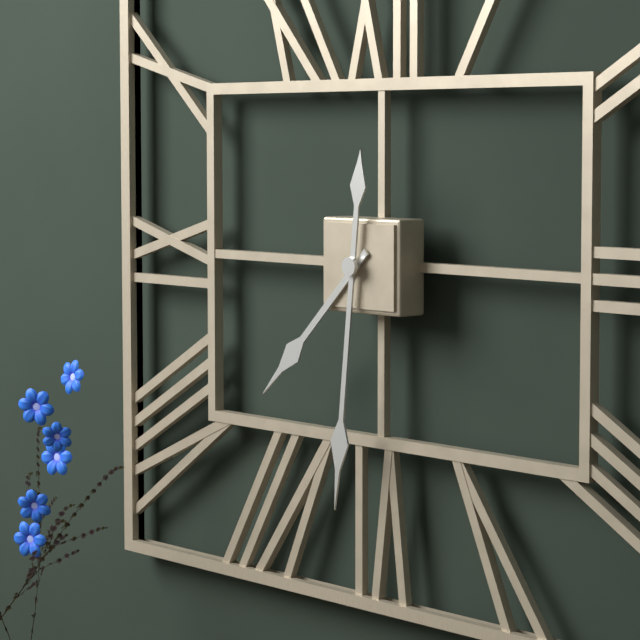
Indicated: 7:31
